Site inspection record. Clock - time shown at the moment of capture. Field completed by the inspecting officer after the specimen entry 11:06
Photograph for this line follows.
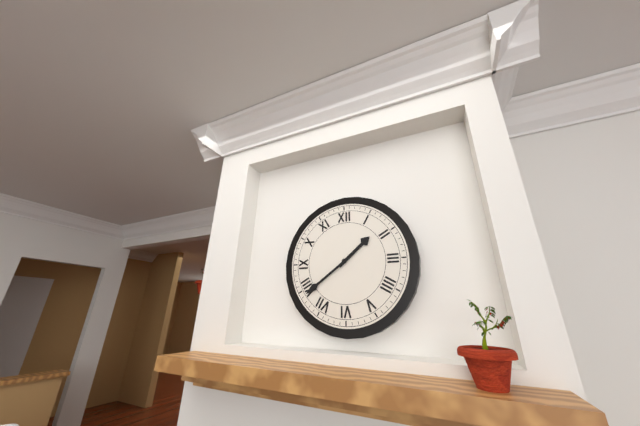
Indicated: 1:39
